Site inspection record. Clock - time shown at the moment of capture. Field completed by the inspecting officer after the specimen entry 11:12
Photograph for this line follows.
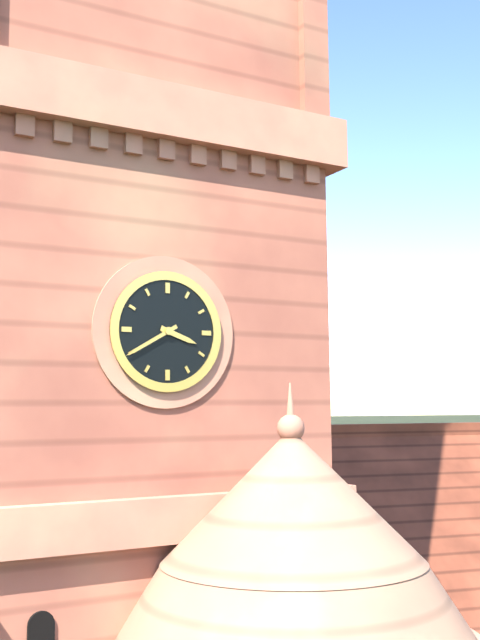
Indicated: 3:40
